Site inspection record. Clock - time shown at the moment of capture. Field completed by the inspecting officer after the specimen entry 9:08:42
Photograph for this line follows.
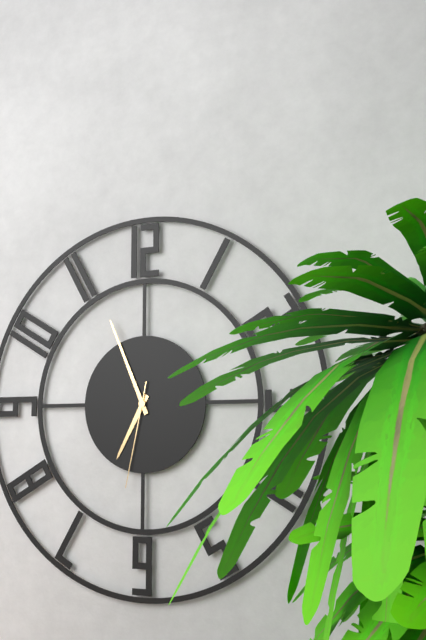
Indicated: 6:56:32
